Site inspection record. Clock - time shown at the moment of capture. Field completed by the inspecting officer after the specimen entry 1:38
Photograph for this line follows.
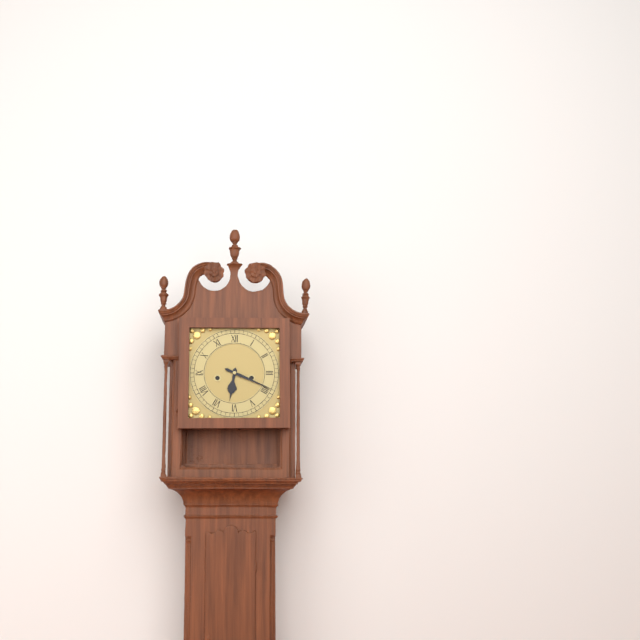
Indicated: 6:19
